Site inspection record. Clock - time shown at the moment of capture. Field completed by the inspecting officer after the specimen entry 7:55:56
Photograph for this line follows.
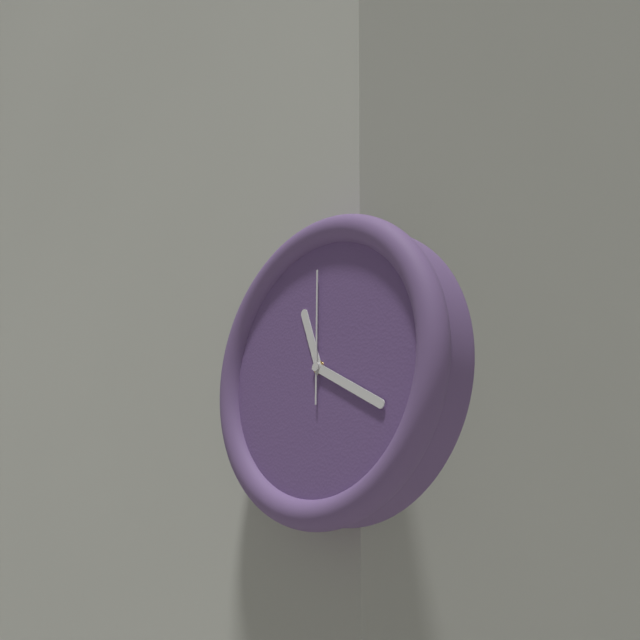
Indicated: 11:20:00
